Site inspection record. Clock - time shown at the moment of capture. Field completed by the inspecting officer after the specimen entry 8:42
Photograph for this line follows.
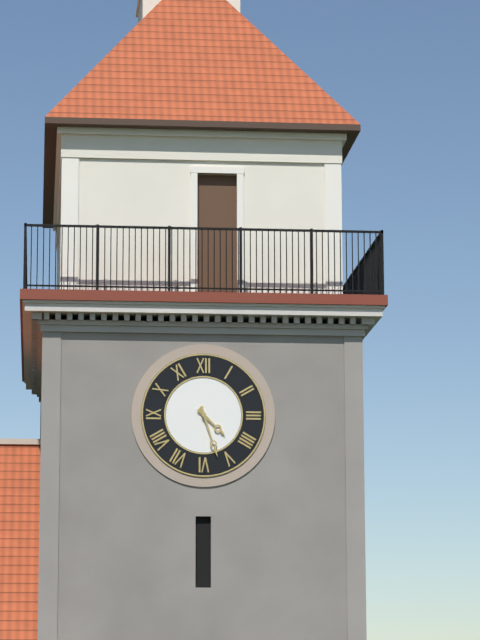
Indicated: 4:27
